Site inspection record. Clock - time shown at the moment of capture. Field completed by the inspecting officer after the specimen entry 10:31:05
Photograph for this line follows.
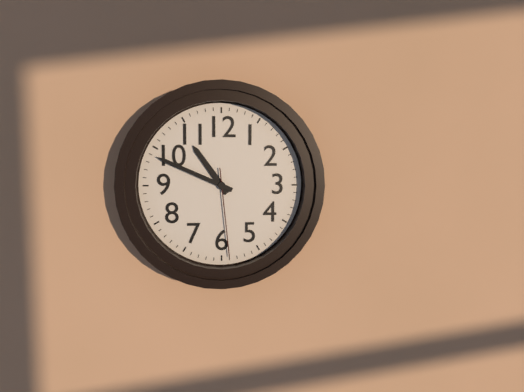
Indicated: 10:49:29
